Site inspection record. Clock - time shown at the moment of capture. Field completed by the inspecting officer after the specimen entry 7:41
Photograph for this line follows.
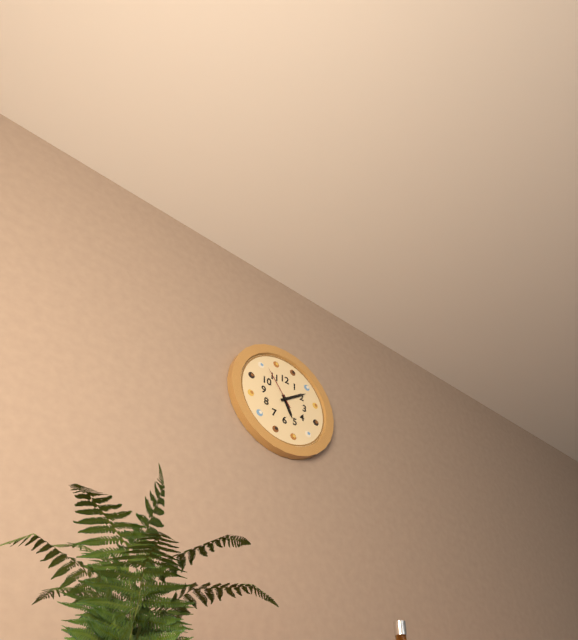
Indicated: 5:09
